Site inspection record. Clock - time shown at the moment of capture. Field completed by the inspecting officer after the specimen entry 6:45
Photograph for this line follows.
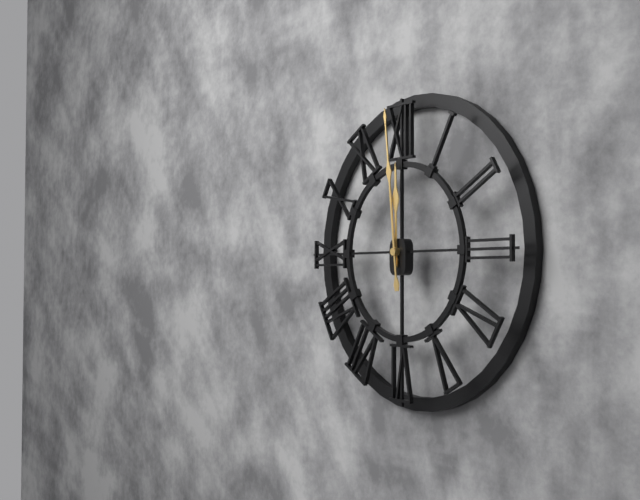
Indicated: 11:59
